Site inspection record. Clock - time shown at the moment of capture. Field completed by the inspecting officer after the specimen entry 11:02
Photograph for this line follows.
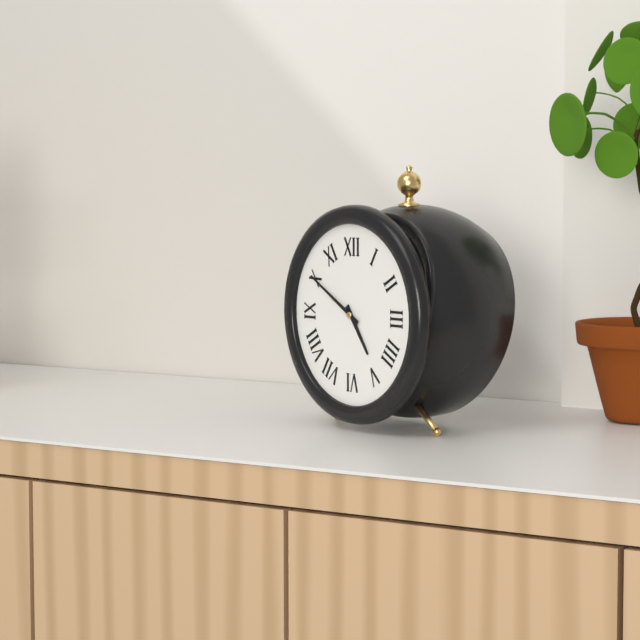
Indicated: 4:50
